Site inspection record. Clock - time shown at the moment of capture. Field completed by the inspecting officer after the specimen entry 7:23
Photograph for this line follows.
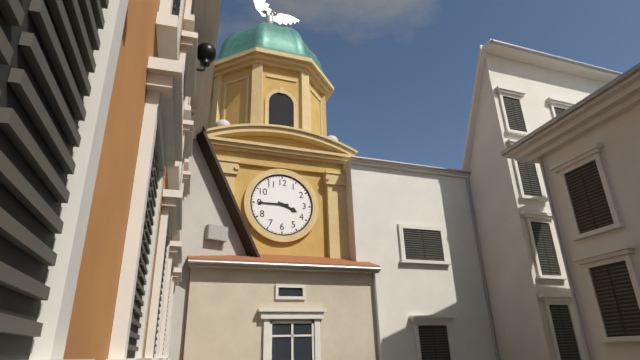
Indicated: 3:45
